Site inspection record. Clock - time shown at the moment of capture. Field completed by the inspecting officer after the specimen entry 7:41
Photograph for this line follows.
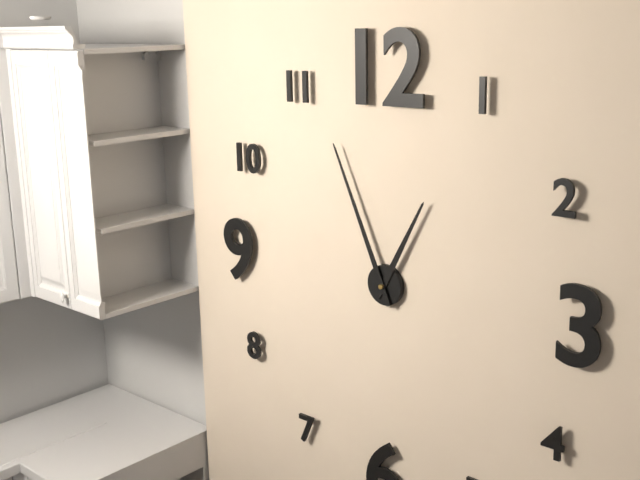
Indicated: 12:56
